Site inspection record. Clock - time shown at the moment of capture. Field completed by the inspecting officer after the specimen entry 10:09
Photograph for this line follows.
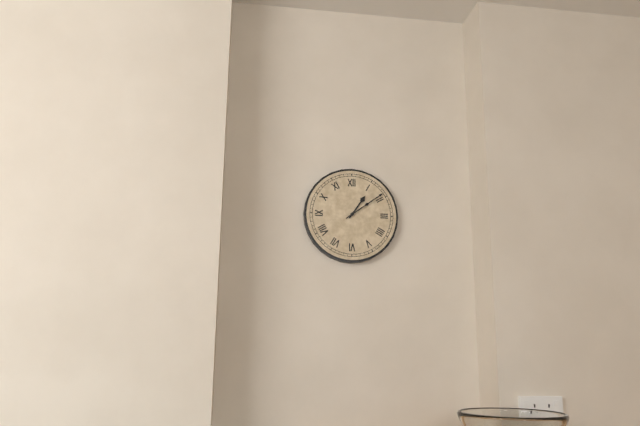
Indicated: 1:09
